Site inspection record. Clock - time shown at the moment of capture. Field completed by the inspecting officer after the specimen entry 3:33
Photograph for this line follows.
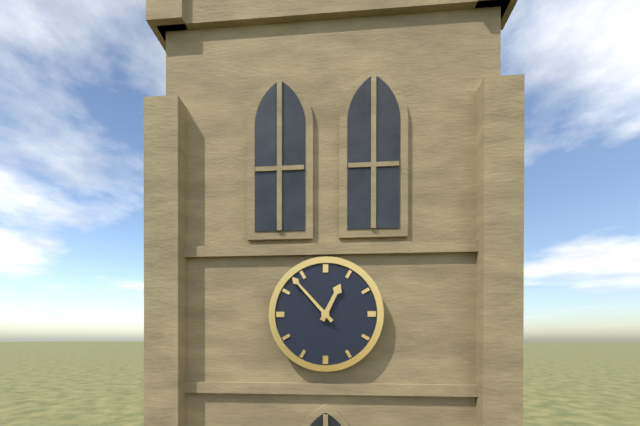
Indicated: 12:53
